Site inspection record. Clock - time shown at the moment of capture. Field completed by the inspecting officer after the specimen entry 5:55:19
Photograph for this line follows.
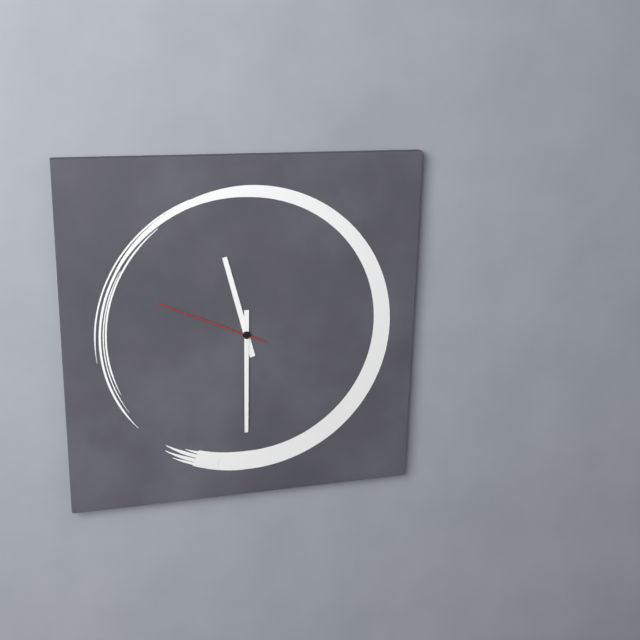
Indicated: 11:30:49
